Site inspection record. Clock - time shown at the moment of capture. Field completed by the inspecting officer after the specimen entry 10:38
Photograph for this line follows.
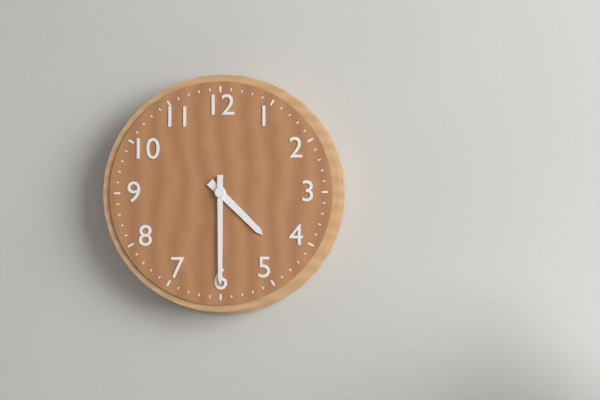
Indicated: 4:30
